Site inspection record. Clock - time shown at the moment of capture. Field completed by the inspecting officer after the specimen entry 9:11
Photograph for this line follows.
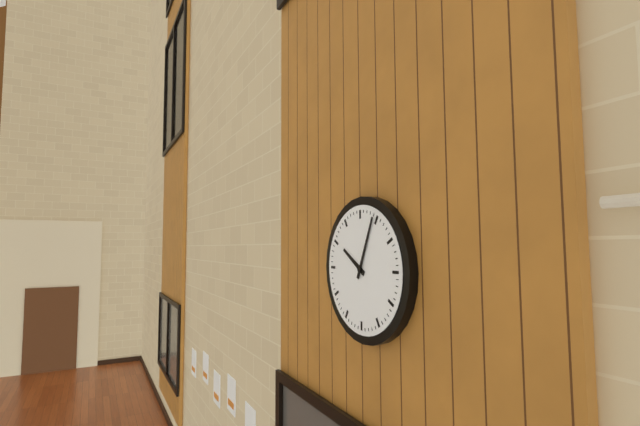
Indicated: 10:04
